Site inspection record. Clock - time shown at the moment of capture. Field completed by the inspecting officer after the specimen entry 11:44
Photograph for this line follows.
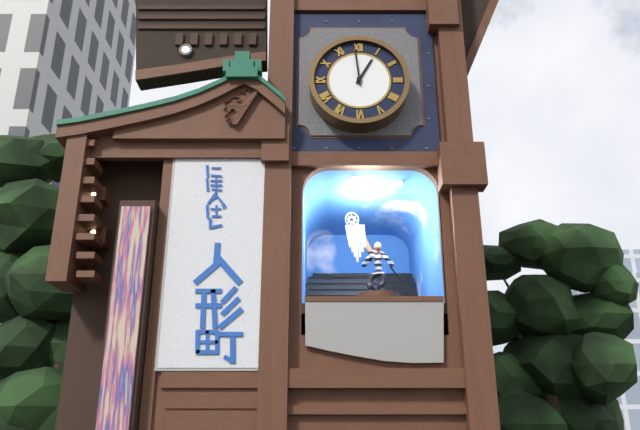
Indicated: 12:59
